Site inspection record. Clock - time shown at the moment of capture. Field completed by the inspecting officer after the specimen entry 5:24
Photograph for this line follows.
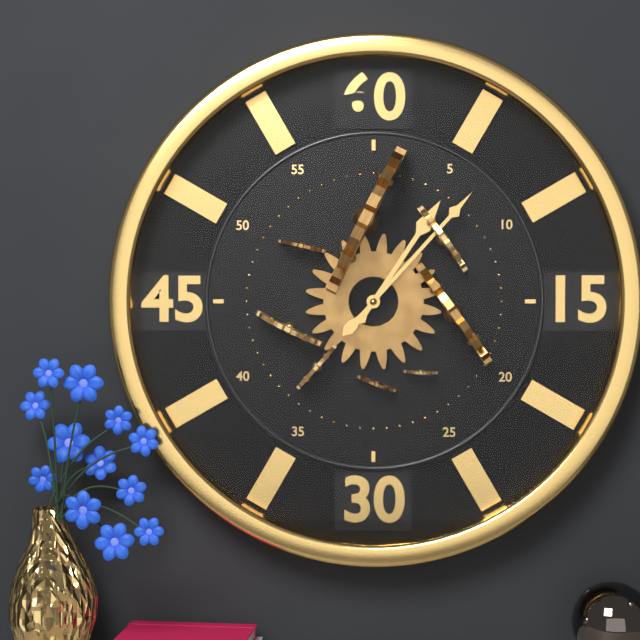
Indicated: 1:07
